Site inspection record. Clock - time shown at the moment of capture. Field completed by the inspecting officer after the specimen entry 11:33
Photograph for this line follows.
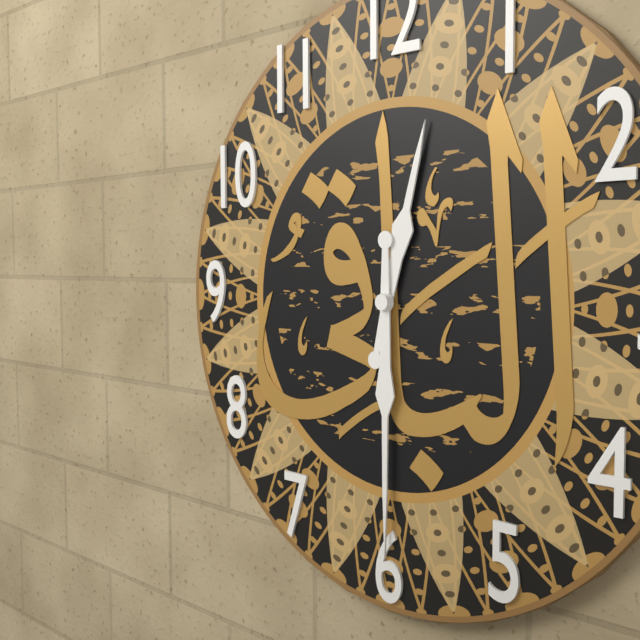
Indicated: 12:30
